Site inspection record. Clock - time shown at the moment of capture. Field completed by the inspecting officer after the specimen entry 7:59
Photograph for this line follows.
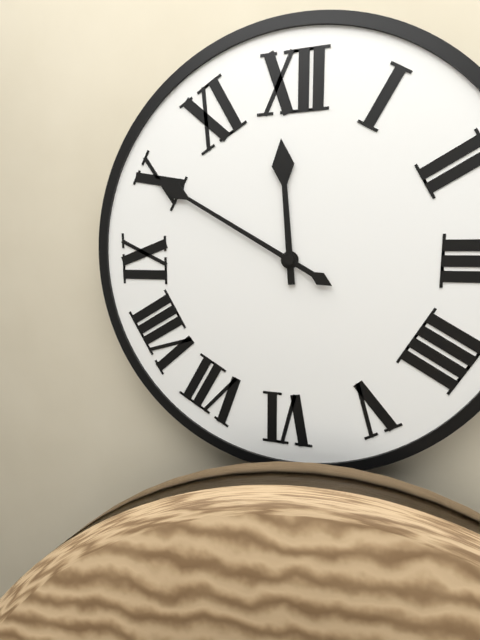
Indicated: 11:50
